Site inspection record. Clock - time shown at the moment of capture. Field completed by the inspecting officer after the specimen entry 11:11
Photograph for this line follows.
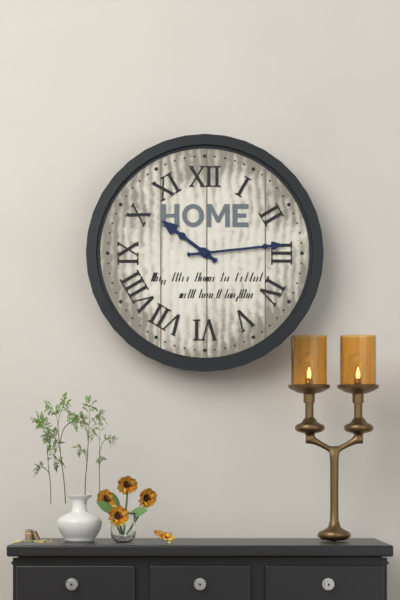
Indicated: 10:14
